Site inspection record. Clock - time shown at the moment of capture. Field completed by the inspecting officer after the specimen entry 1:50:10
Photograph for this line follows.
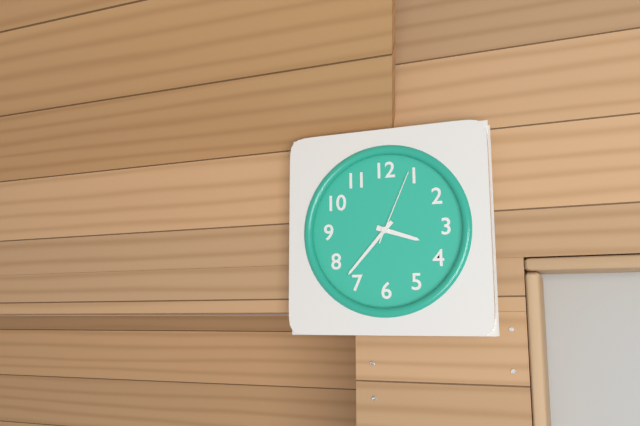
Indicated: 3:37:04
